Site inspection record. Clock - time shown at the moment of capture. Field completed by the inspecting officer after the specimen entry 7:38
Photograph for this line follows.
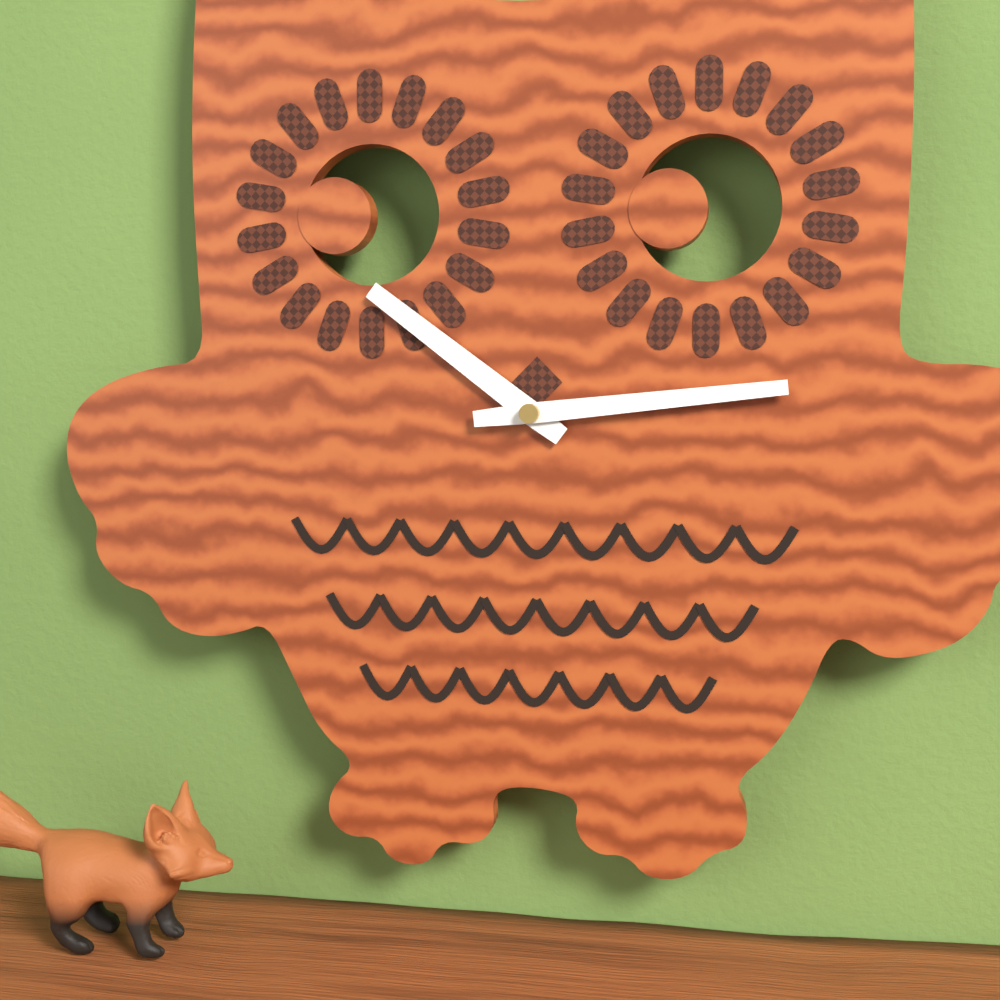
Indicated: 10:14
